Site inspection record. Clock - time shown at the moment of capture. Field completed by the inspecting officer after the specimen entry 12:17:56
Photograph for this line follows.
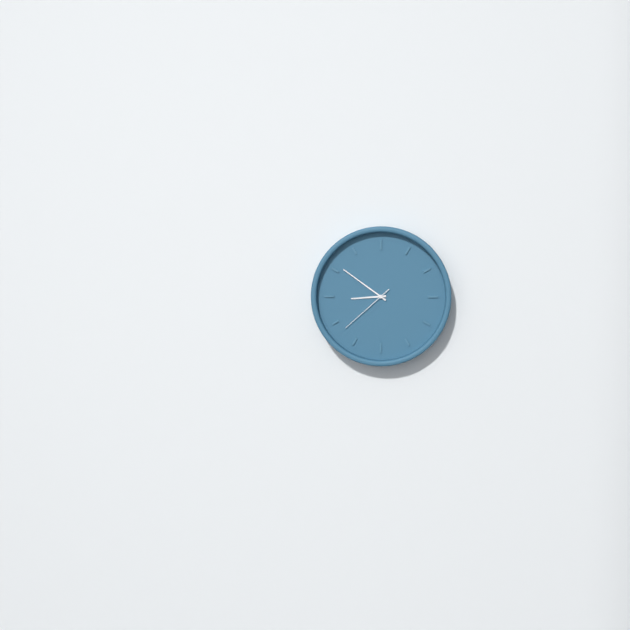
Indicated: 8:51:38
